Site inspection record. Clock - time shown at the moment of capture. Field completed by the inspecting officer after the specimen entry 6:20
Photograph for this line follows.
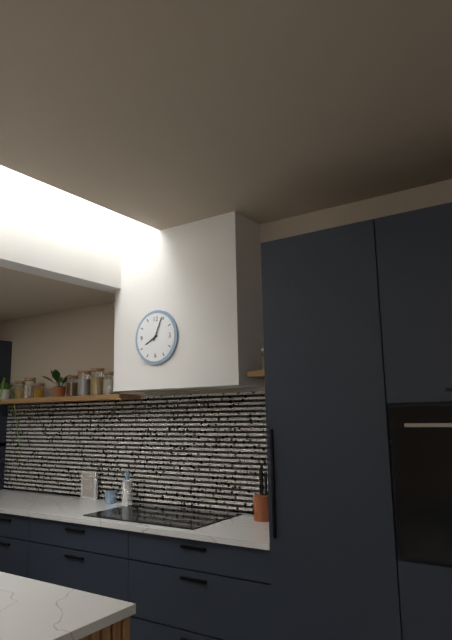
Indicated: 8:04
